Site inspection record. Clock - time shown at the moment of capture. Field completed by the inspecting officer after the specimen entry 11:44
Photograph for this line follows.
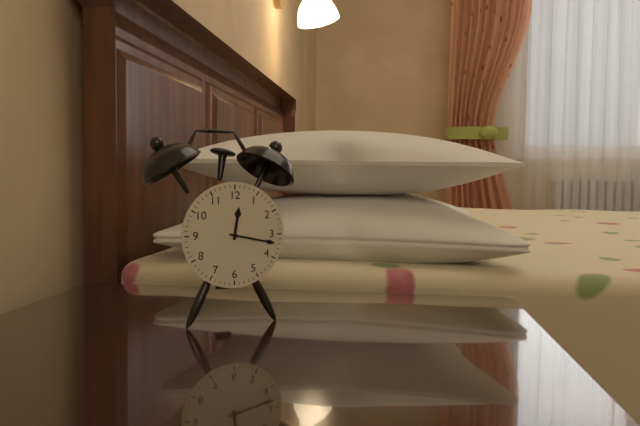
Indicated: 12:17
